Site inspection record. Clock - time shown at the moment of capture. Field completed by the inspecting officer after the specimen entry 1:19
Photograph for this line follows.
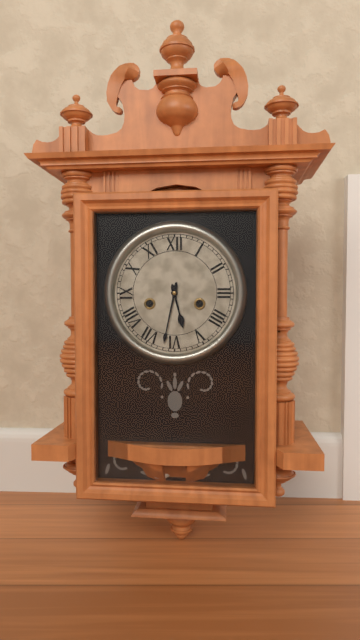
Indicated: 5:32
